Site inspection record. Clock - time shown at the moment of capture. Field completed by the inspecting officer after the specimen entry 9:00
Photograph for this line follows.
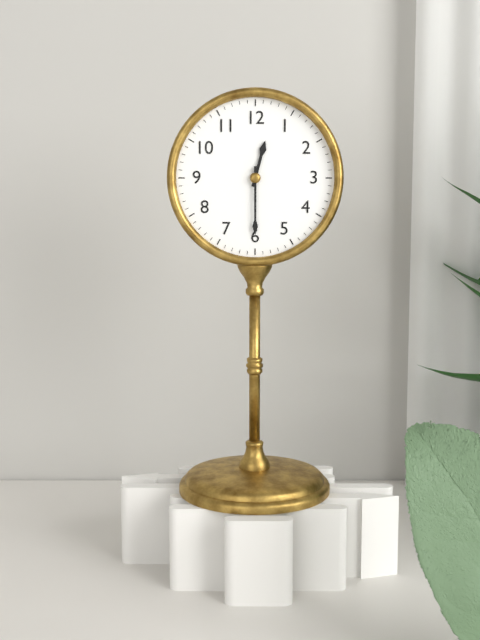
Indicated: 12:30
